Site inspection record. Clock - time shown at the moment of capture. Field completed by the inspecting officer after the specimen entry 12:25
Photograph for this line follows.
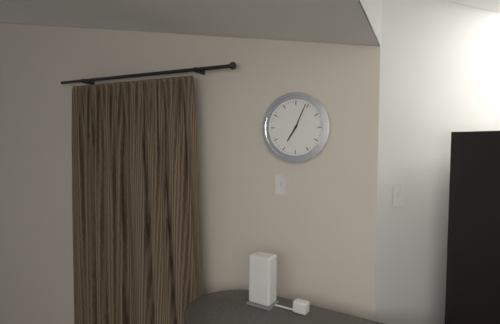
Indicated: 7:04
